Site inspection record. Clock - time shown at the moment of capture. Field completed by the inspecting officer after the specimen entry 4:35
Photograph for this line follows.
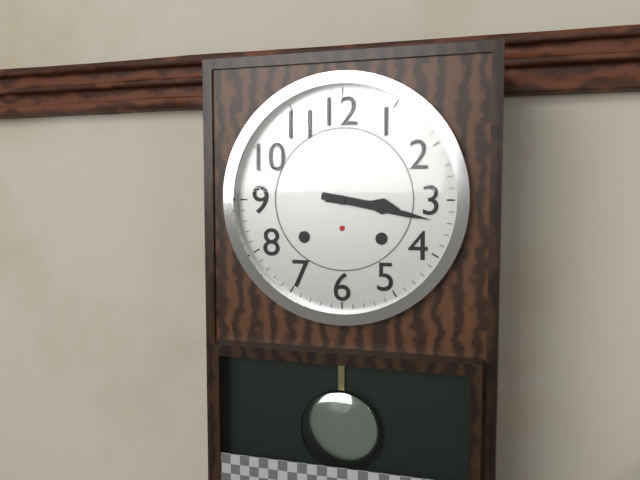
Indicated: 3:17
